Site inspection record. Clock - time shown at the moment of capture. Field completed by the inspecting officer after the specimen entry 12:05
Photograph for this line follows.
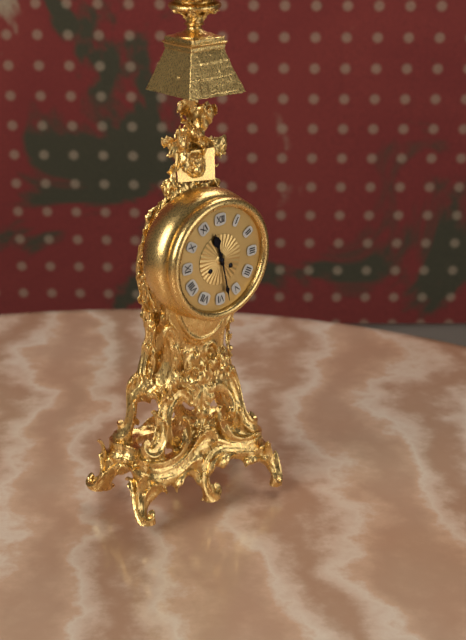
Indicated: 11:28
